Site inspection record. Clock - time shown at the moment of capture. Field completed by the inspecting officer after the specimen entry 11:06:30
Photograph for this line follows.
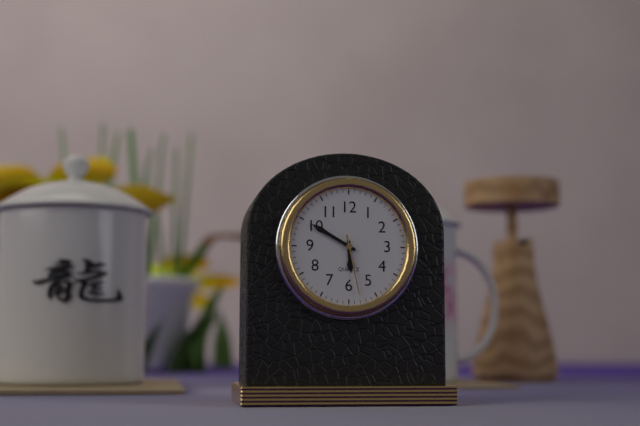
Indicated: 5:50:28
